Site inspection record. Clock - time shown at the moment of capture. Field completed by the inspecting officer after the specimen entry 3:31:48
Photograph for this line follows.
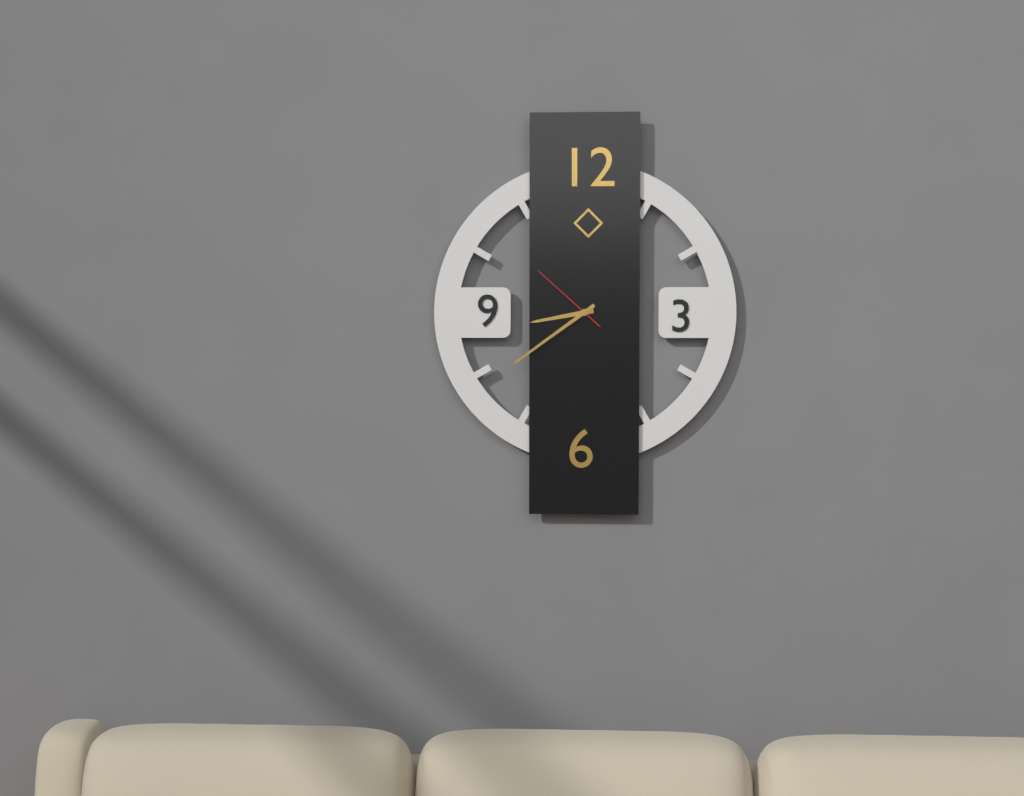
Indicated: 8:39:52
